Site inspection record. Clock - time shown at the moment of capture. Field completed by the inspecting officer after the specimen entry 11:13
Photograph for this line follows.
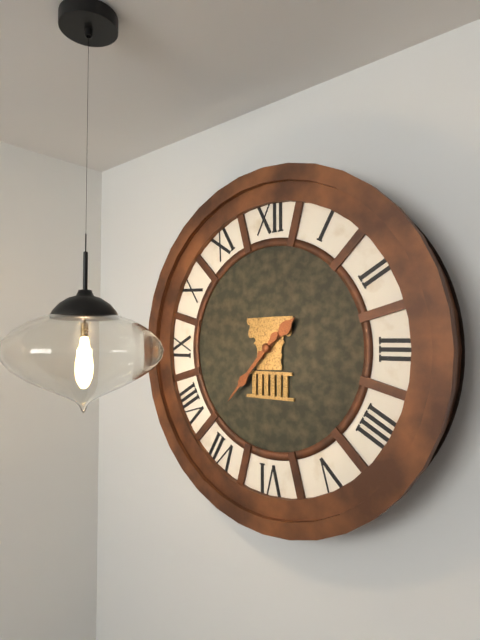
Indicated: 1:37
